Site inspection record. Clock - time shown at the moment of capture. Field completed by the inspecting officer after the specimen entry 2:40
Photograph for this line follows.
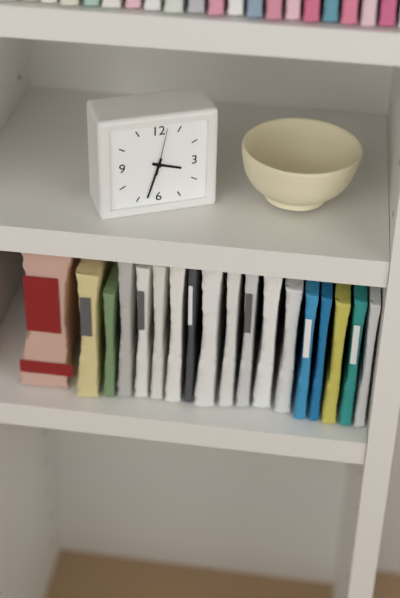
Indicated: 3:33
